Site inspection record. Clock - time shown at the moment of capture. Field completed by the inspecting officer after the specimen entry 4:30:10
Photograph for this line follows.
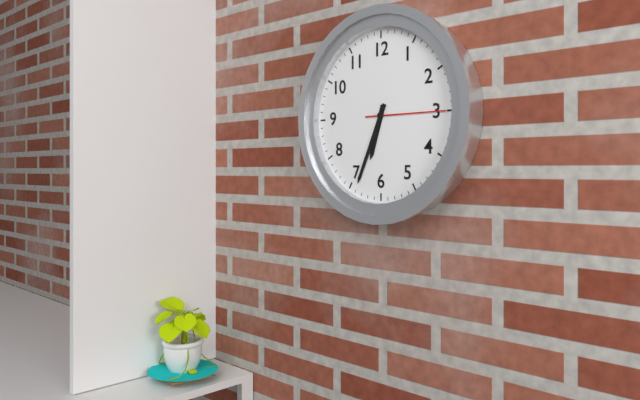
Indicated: 6:34:15
